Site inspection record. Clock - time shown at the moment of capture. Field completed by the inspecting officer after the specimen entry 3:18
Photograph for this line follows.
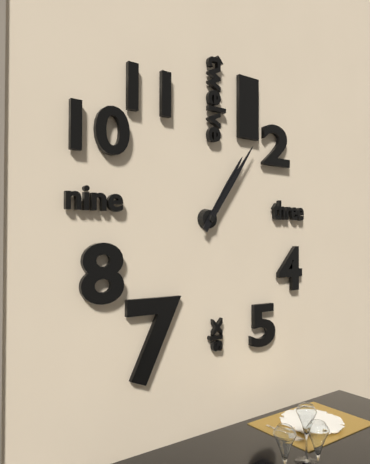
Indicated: 1:06
